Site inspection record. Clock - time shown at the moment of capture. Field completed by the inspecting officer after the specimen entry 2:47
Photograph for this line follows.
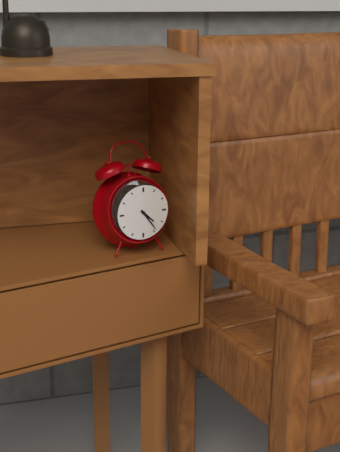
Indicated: 4:24
